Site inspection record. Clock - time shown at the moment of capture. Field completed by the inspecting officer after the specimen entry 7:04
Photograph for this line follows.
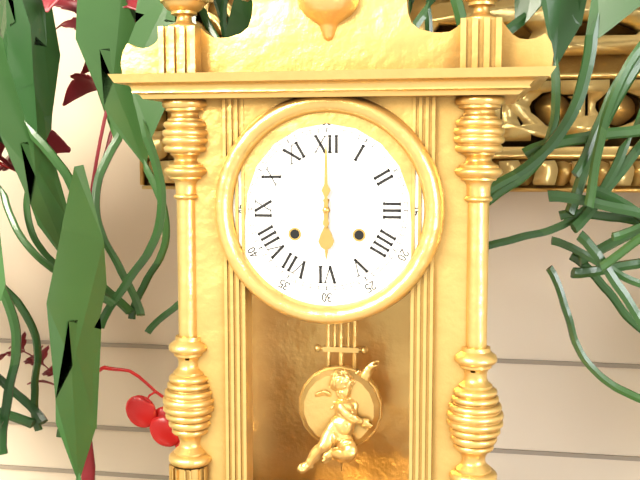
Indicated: 6:00
